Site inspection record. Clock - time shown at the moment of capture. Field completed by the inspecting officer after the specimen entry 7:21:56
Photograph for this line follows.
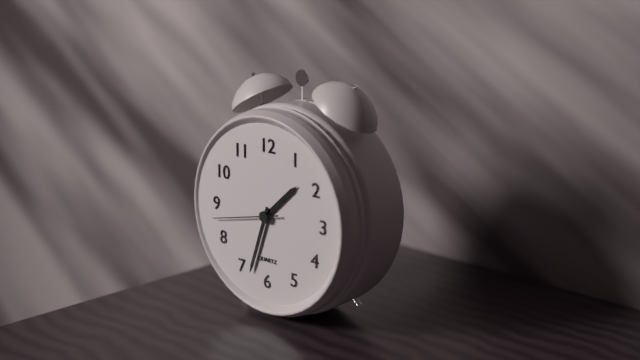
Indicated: 1:33:43
